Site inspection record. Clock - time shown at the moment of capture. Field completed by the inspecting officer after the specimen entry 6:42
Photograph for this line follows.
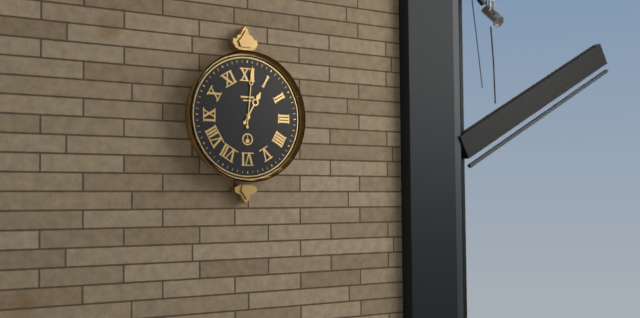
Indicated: 1:01
